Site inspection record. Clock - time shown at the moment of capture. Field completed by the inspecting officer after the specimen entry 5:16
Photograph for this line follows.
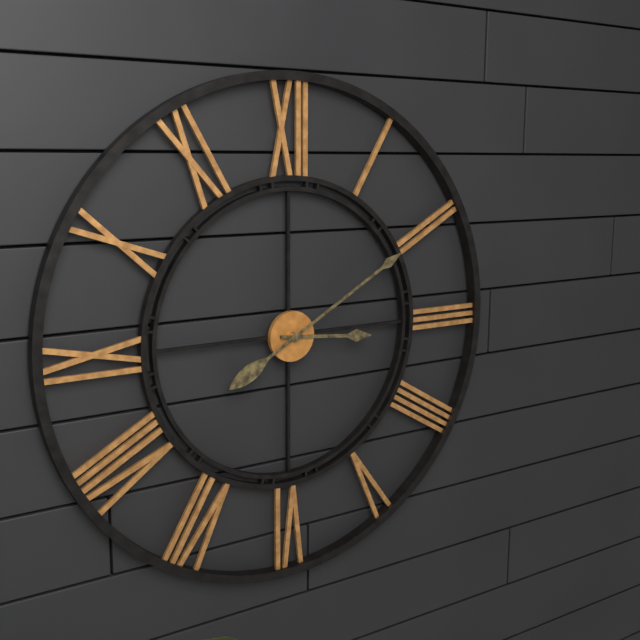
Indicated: 3:10
